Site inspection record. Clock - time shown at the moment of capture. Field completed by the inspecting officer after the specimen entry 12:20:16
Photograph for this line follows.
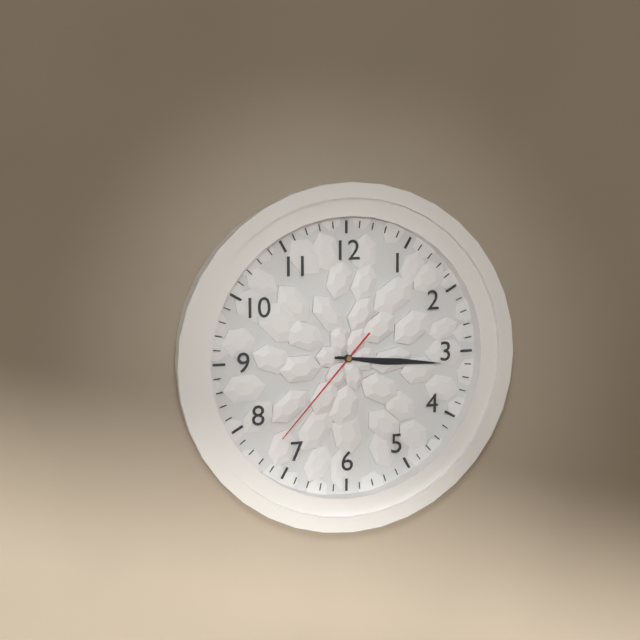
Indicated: 3:16:37
